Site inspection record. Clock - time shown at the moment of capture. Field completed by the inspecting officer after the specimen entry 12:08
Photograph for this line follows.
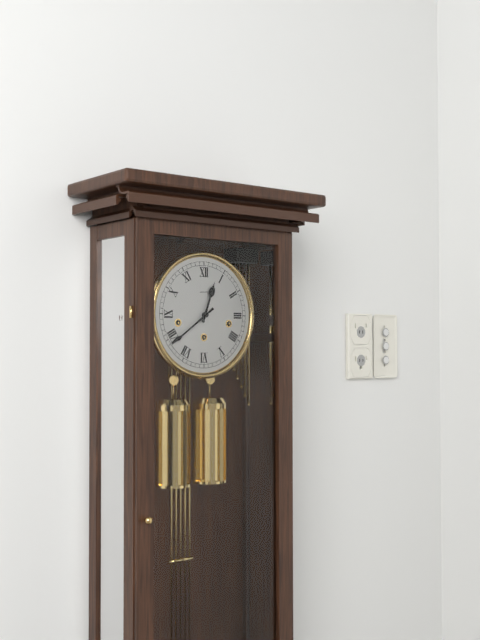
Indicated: 12:39
